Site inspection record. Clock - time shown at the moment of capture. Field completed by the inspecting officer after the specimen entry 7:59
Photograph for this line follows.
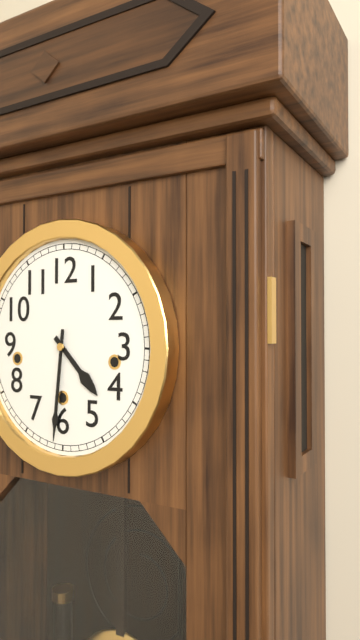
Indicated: 4:31
